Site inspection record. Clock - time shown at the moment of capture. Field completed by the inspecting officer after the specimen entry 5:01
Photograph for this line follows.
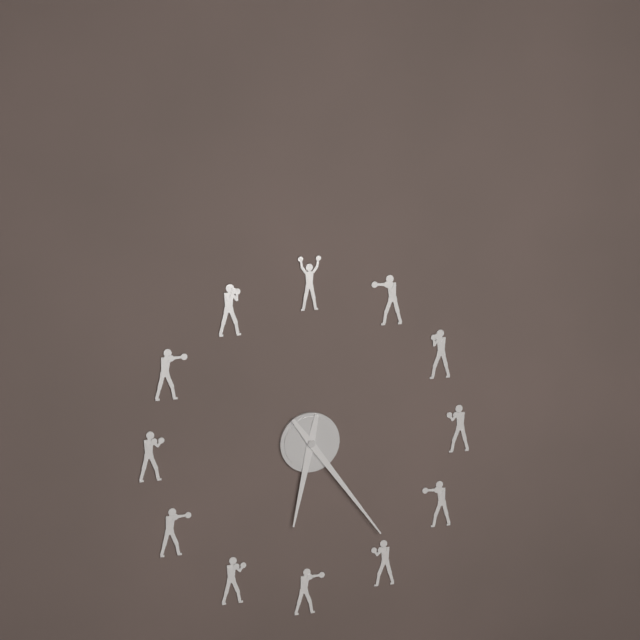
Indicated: 6:24
